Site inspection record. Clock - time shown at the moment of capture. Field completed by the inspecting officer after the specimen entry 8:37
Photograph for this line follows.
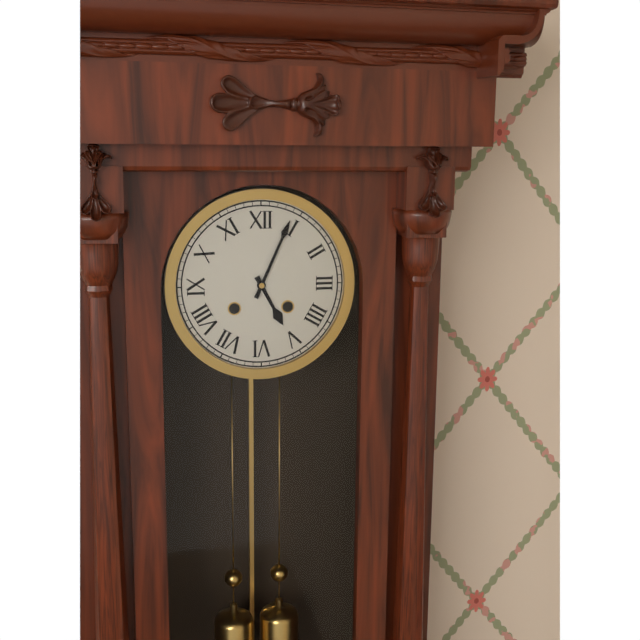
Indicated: 5:04
